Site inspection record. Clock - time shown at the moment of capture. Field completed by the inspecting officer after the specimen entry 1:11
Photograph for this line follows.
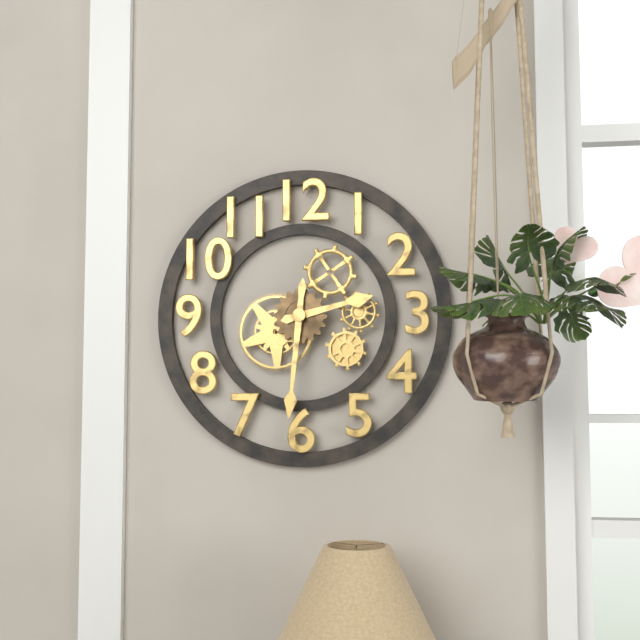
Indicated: 2:31
